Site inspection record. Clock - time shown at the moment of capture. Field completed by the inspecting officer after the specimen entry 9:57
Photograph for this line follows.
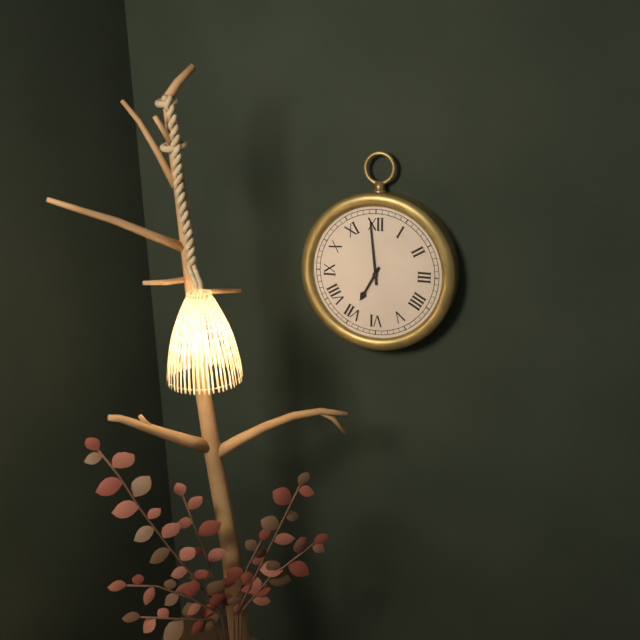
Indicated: 6:59
